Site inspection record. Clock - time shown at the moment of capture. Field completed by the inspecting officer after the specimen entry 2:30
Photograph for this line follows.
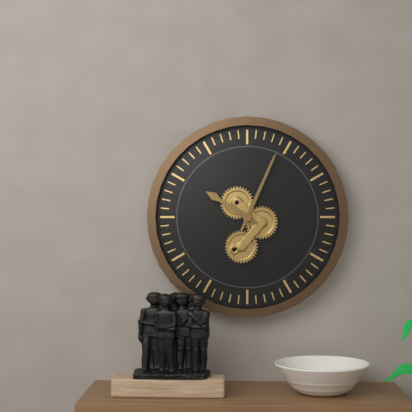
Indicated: 10:04
